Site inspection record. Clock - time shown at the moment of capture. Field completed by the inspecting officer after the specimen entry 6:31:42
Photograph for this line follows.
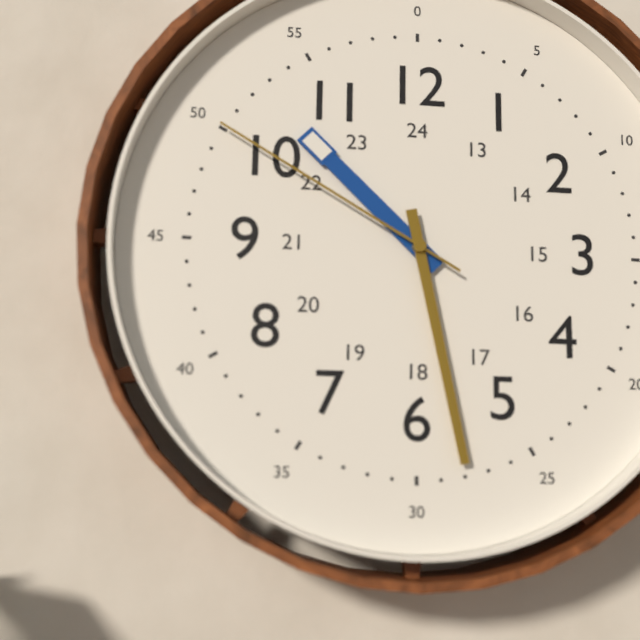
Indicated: 10:28:50
